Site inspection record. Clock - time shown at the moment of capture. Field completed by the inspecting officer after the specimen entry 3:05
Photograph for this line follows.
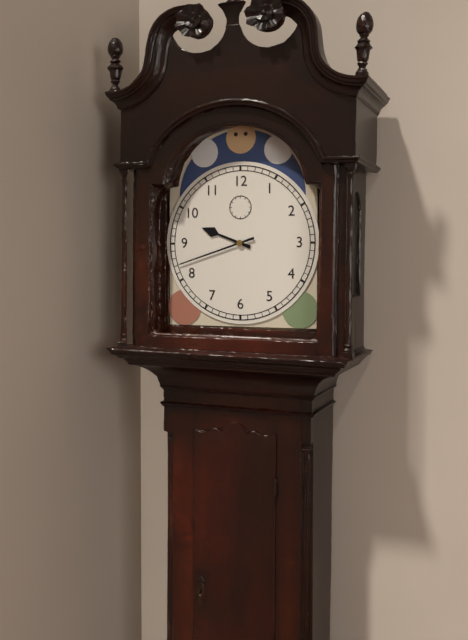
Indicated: 9:42
